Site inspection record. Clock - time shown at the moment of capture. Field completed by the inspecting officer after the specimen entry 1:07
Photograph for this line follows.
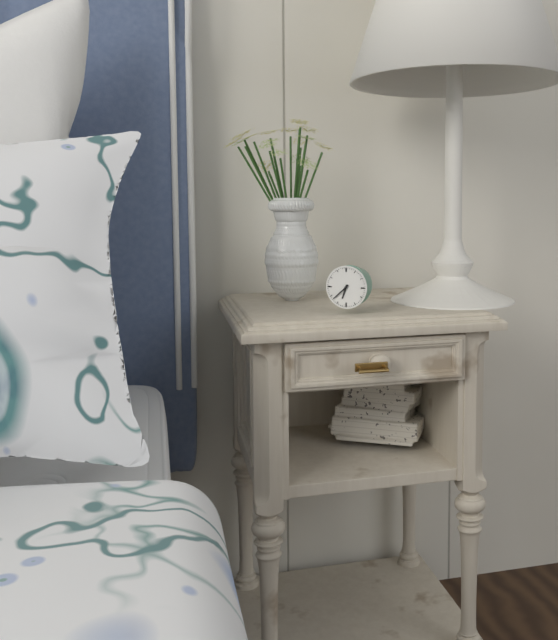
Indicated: 6:38
